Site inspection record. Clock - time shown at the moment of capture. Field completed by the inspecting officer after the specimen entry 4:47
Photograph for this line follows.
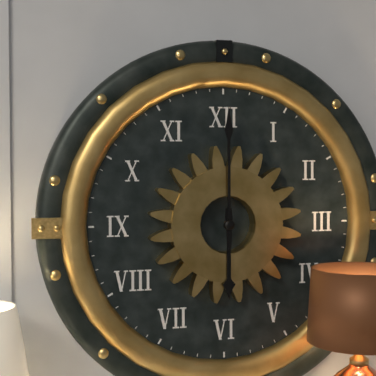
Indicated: 6:00
